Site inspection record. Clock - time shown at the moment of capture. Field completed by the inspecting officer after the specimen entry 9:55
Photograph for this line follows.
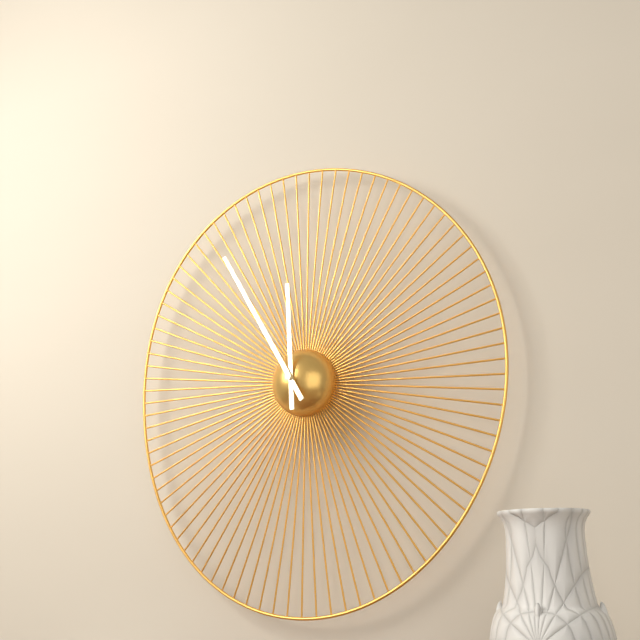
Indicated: 11:55
